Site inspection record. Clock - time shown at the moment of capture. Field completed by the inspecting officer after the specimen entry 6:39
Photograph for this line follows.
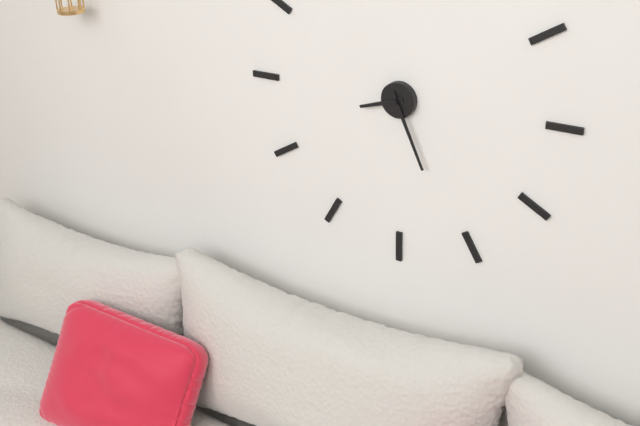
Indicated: 8:26
